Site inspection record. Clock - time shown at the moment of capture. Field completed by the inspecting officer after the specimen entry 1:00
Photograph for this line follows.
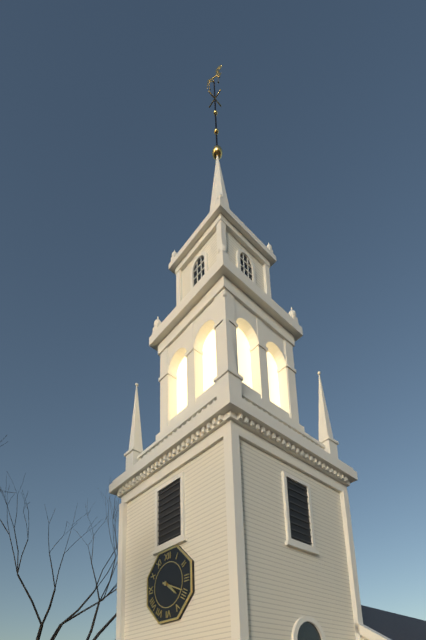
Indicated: 4:19
